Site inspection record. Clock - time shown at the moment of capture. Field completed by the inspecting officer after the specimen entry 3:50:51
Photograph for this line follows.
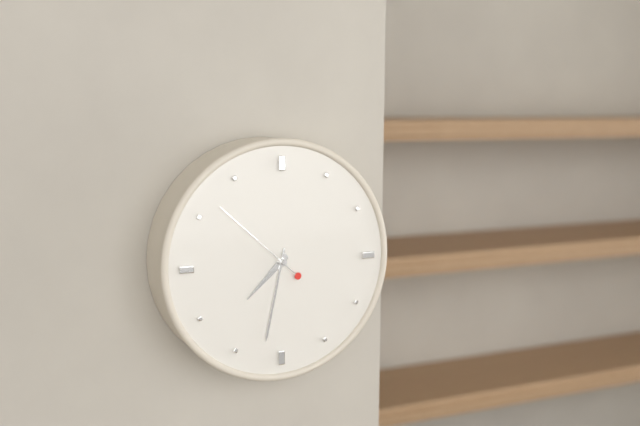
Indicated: 7:32:52
